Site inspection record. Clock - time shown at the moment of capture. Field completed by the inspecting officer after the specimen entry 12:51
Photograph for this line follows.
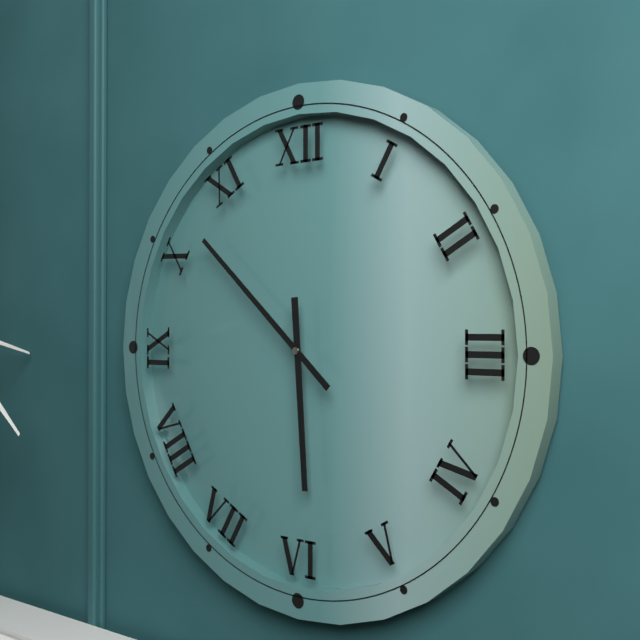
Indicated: 5:52
